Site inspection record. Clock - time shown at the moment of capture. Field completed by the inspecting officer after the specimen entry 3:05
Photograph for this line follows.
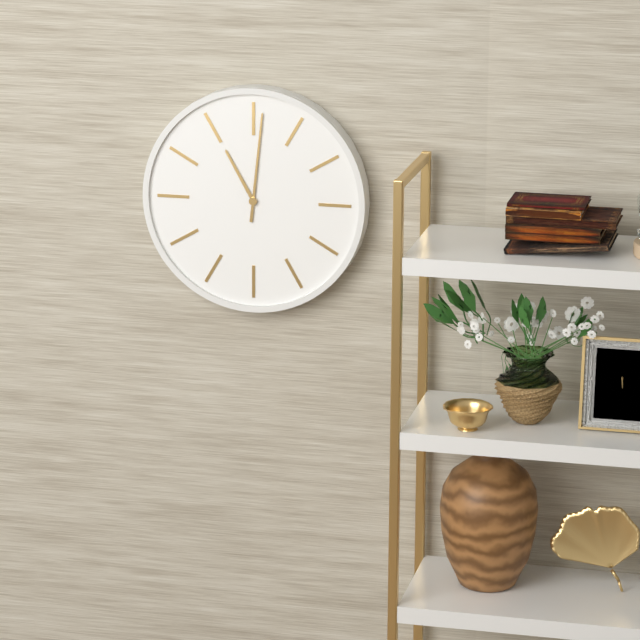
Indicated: 11:01
